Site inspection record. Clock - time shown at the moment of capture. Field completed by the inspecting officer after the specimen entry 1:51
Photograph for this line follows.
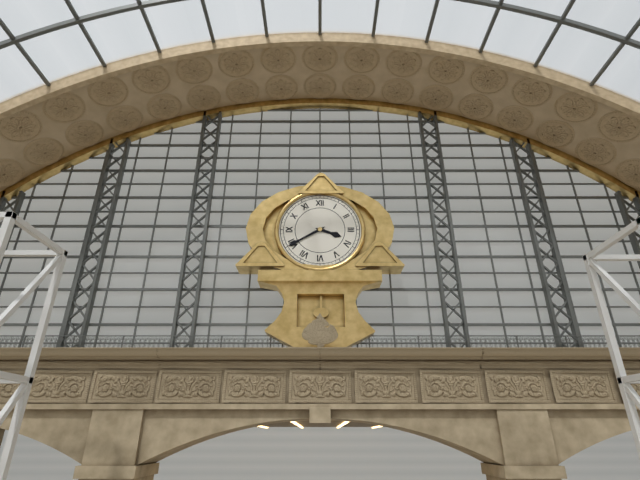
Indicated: 3:40
